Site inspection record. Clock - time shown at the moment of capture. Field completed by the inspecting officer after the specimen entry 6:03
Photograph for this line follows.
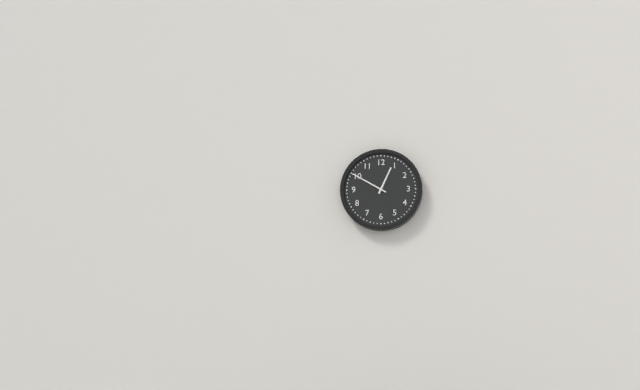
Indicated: 12:50
